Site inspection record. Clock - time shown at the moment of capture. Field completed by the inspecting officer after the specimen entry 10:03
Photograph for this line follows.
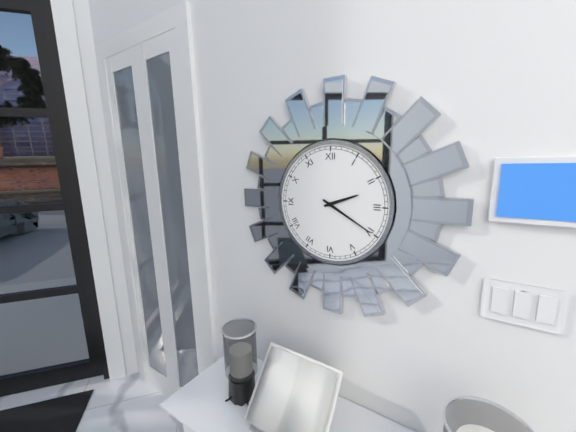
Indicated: 2:20
